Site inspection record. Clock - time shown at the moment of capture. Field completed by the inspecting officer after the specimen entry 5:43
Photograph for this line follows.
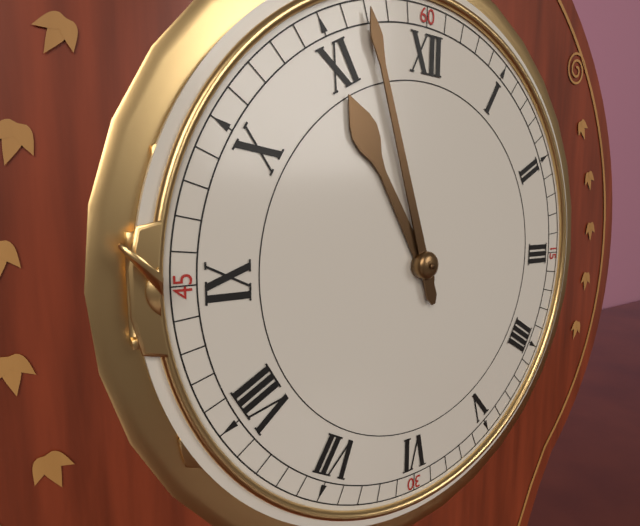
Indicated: 10:57
